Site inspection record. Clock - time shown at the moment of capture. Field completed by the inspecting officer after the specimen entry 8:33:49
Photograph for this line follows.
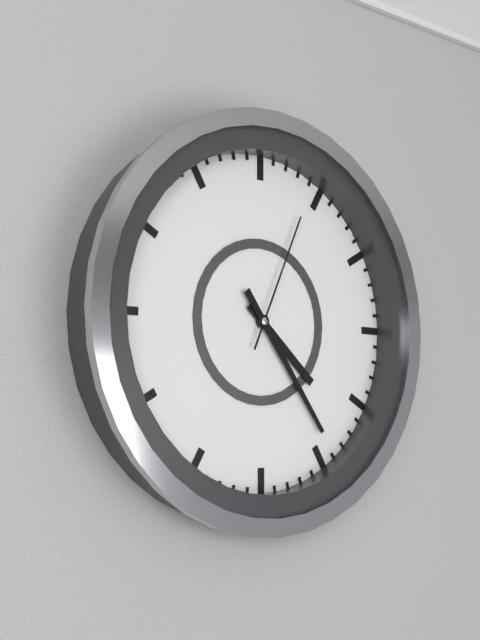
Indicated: 4:24:04
